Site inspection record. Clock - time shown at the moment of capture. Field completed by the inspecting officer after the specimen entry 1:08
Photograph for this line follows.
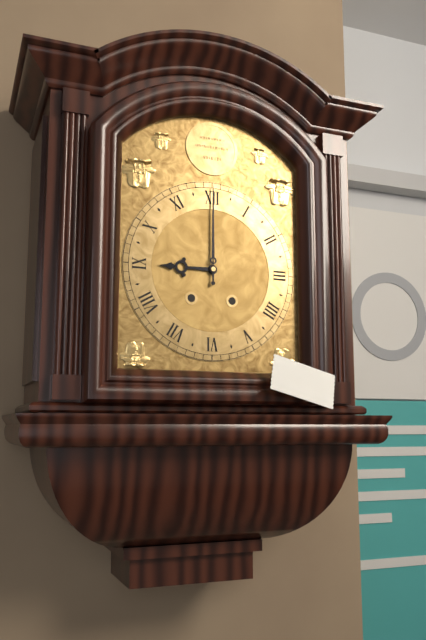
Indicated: 9:00
